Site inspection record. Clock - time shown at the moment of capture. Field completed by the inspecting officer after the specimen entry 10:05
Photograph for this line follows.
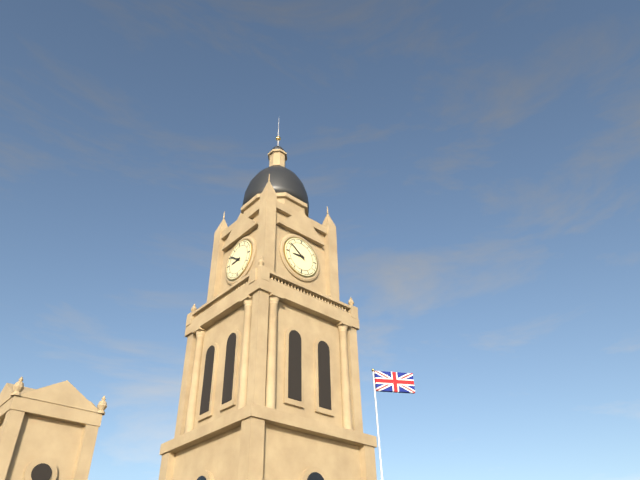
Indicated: 8:51
